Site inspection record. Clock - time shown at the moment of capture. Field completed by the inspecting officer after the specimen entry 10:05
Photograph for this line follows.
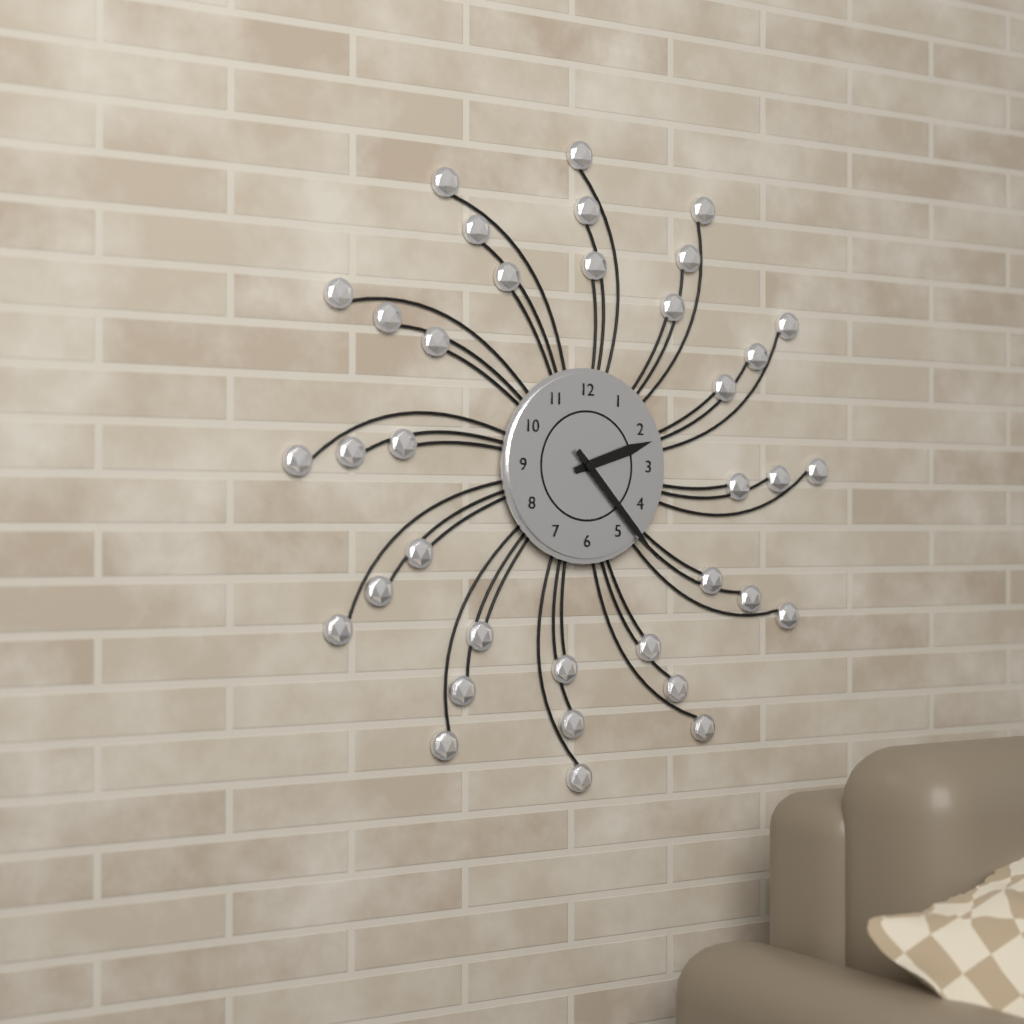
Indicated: 2:23
